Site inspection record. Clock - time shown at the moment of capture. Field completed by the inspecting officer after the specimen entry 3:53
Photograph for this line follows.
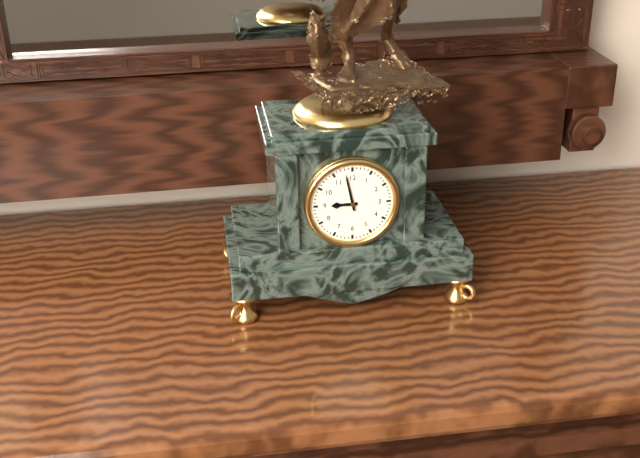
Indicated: 8:58
